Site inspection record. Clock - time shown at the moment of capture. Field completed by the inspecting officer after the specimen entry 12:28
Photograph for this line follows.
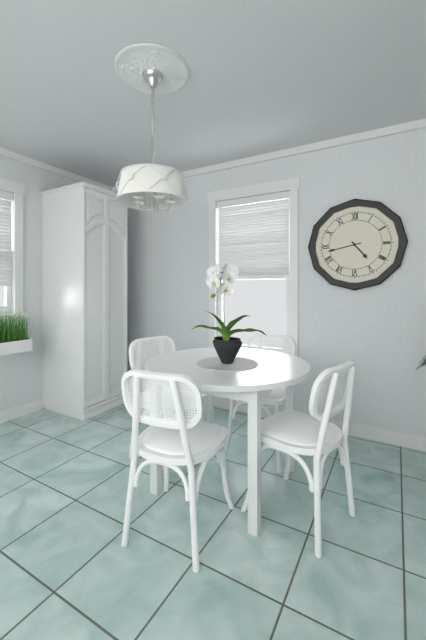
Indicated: 4:43
